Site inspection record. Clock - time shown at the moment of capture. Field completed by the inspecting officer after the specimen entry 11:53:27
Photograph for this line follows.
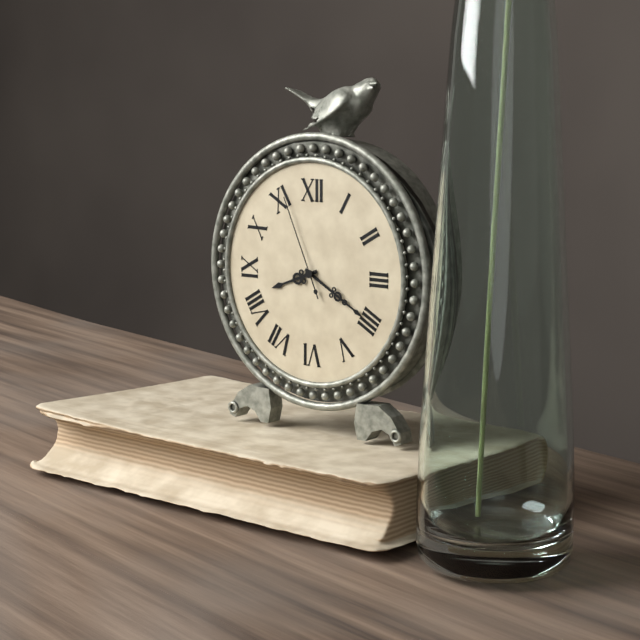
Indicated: 8:20:56
